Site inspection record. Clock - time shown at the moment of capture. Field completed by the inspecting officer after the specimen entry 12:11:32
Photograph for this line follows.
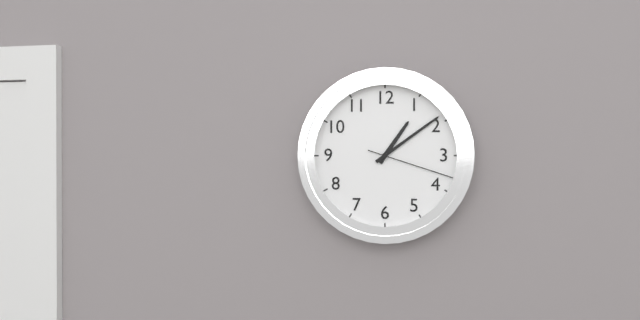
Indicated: 1:09:18
